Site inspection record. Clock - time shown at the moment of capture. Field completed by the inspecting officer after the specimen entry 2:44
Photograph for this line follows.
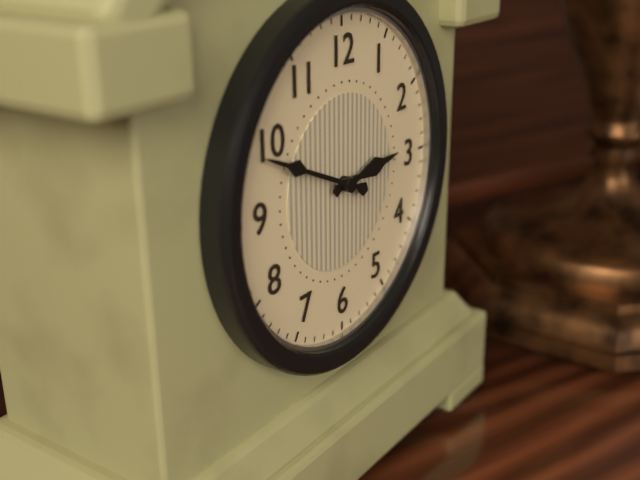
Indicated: 2:49
